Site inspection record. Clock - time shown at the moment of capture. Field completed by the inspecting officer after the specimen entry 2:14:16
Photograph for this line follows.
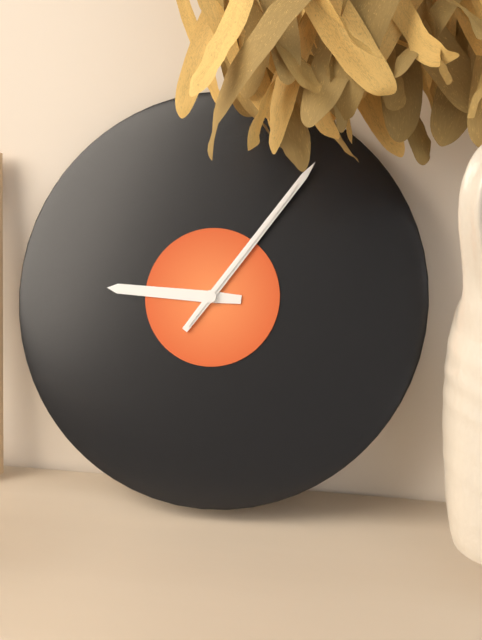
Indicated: 9:06:06
